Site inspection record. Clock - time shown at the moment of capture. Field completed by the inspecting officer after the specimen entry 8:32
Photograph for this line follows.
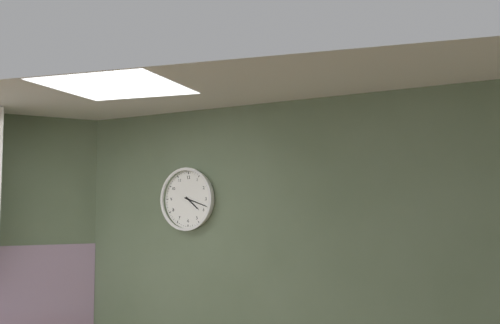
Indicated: 4:18
